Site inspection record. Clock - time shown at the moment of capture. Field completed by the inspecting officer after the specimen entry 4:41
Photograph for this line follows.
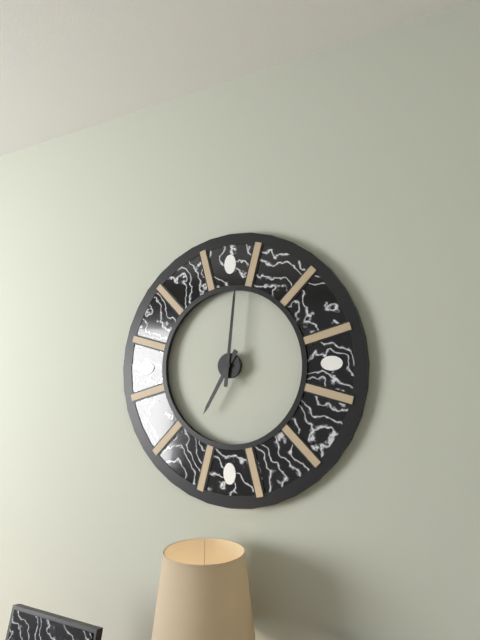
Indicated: 7:01
